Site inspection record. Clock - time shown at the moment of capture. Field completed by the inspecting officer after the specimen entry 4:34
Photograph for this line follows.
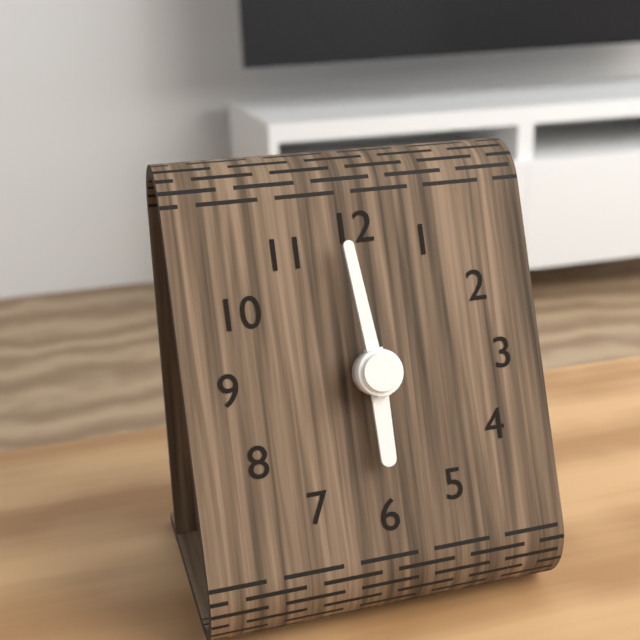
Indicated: 5:59
